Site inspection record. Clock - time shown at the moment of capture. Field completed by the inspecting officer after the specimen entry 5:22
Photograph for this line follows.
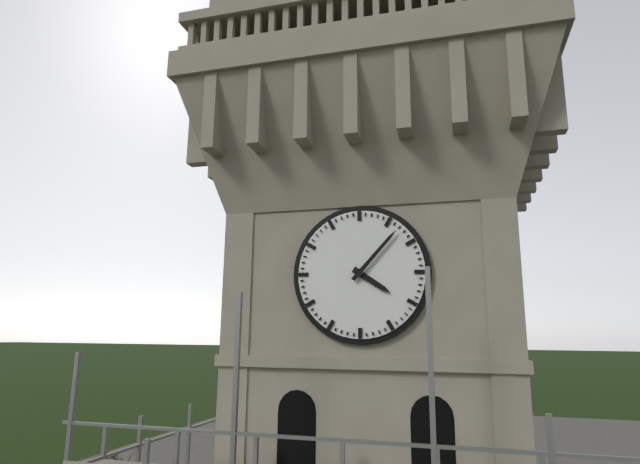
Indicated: 4:07
